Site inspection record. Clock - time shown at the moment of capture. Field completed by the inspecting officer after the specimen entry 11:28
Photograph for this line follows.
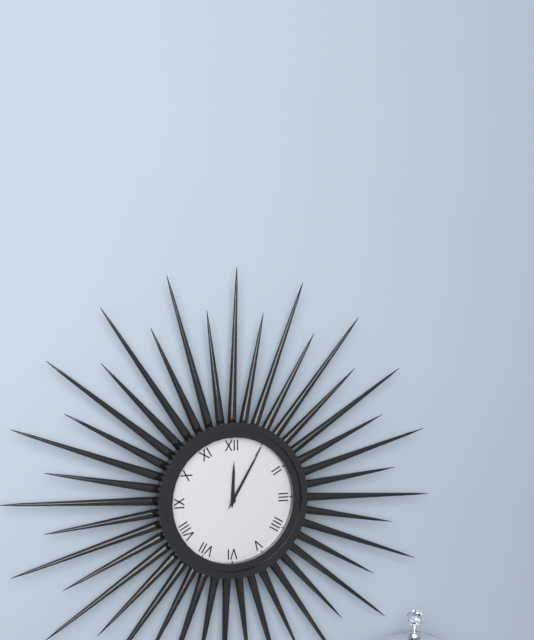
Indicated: 12:05
